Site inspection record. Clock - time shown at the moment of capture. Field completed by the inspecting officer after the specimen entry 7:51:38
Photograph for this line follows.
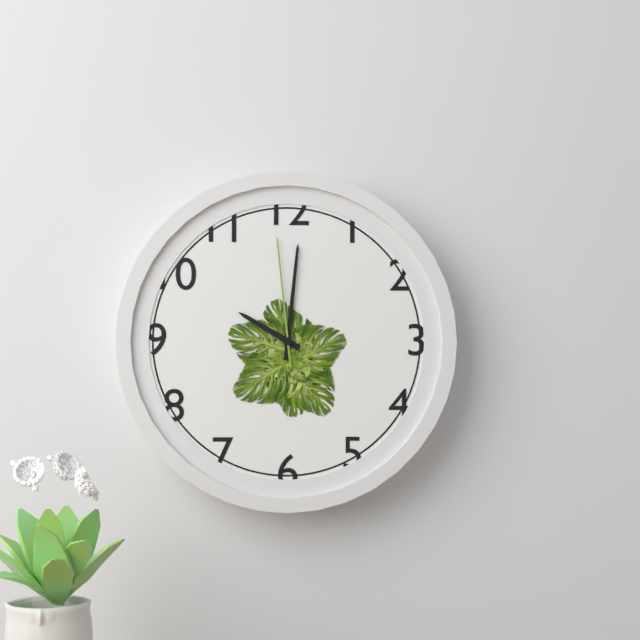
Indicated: 10:01:59
